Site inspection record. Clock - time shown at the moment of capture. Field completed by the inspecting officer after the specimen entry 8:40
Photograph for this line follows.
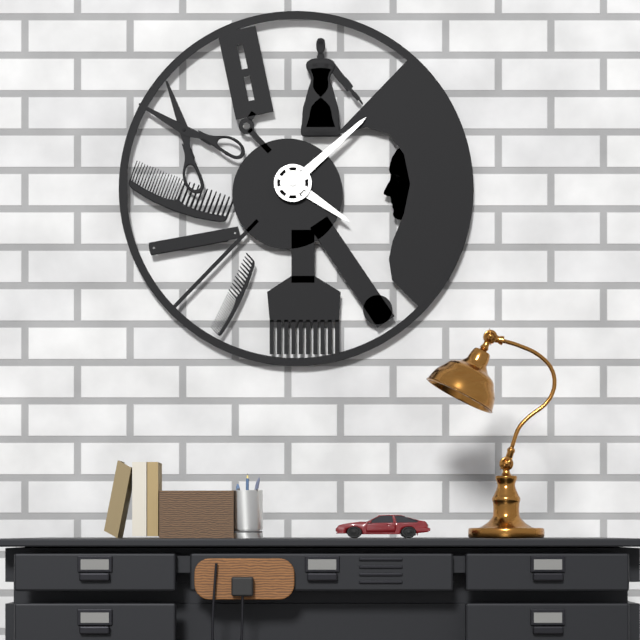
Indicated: 4:08
